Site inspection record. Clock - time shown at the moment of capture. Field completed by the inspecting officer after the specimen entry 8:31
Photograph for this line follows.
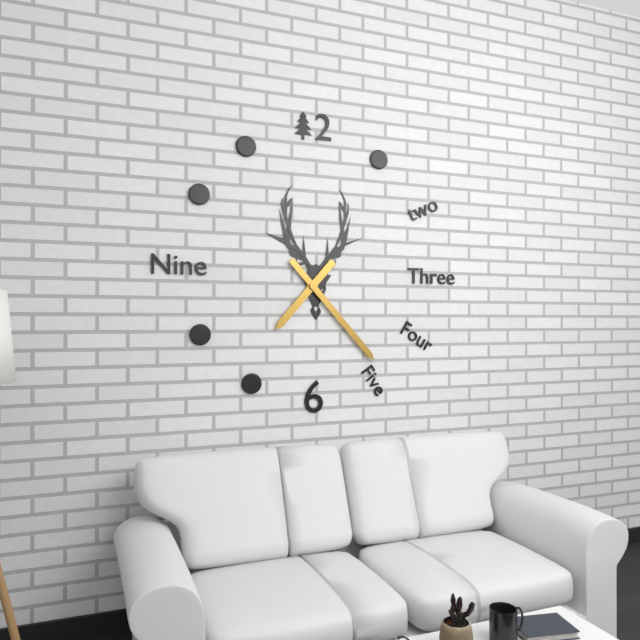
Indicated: 7:23
